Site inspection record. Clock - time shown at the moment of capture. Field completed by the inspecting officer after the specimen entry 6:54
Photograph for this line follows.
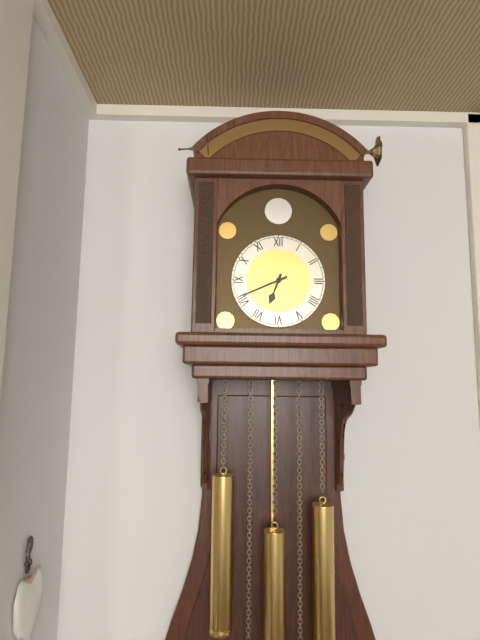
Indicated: 6:41
